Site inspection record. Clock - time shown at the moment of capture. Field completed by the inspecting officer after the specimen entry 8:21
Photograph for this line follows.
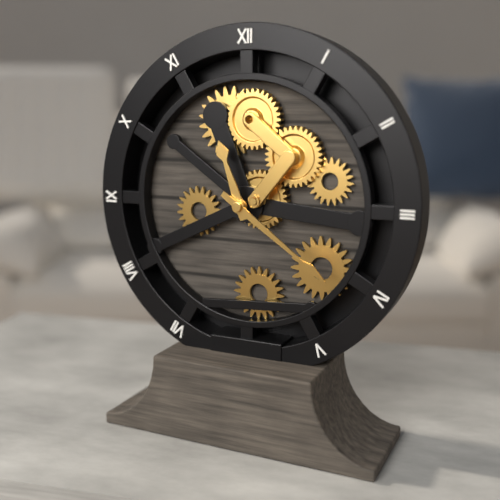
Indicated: 11:21
